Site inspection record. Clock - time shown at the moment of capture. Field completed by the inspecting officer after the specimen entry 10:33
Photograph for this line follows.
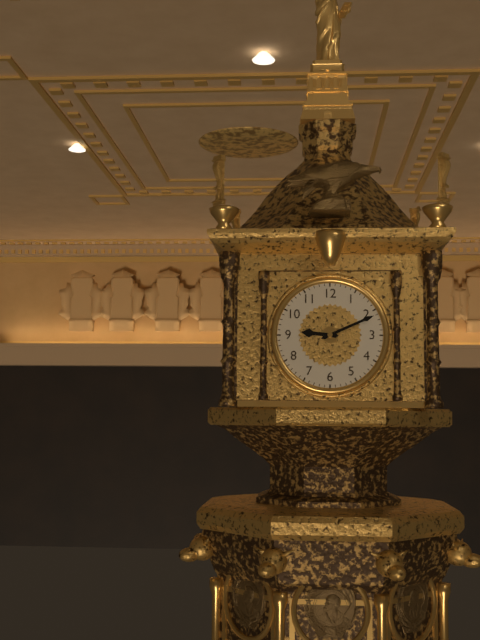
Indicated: 9:11
